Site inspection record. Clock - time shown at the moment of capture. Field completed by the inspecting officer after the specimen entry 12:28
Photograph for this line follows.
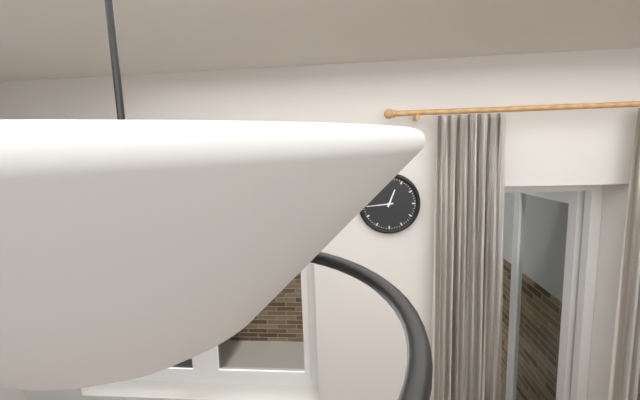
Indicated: 12:44
